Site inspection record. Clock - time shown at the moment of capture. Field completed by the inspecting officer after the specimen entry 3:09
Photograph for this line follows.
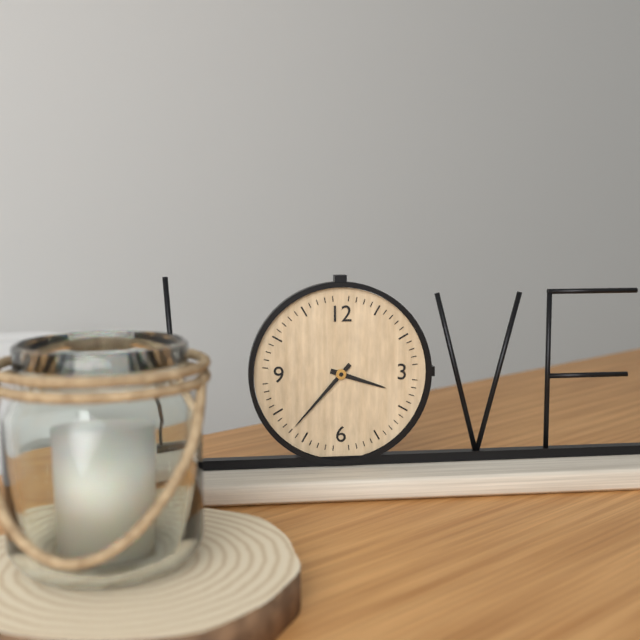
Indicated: 3:37
